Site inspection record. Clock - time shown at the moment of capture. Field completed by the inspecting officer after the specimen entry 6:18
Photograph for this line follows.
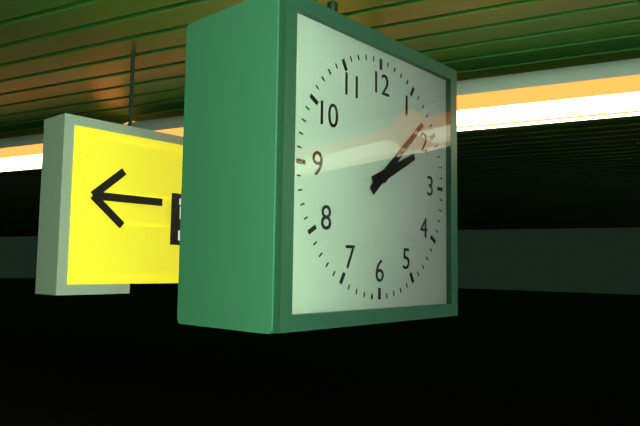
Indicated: 2:08
